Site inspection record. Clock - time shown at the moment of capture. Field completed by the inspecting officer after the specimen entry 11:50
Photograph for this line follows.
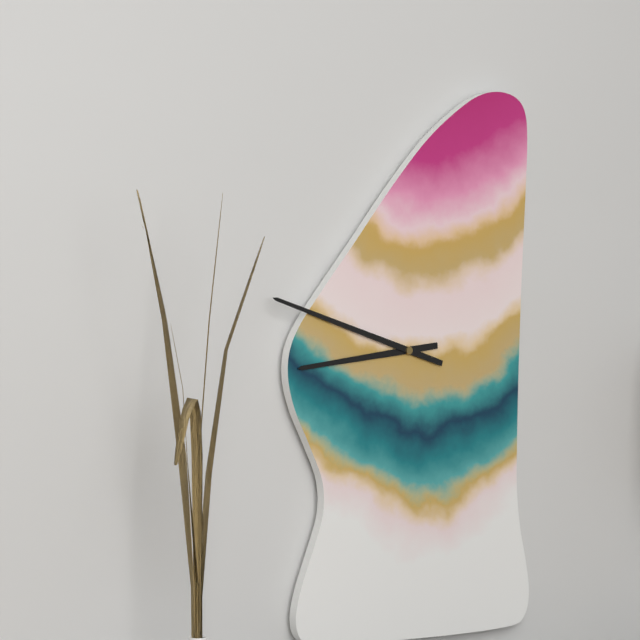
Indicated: 8:48
